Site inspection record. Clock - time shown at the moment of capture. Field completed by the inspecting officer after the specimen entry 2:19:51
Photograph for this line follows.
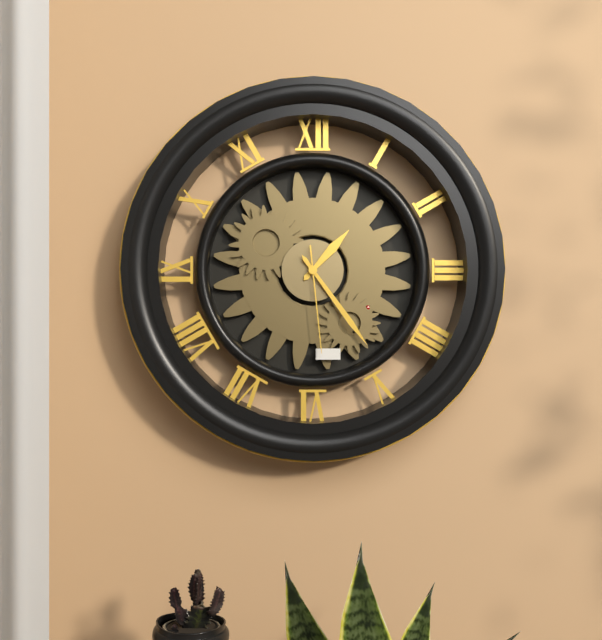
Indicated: 1:24:29
